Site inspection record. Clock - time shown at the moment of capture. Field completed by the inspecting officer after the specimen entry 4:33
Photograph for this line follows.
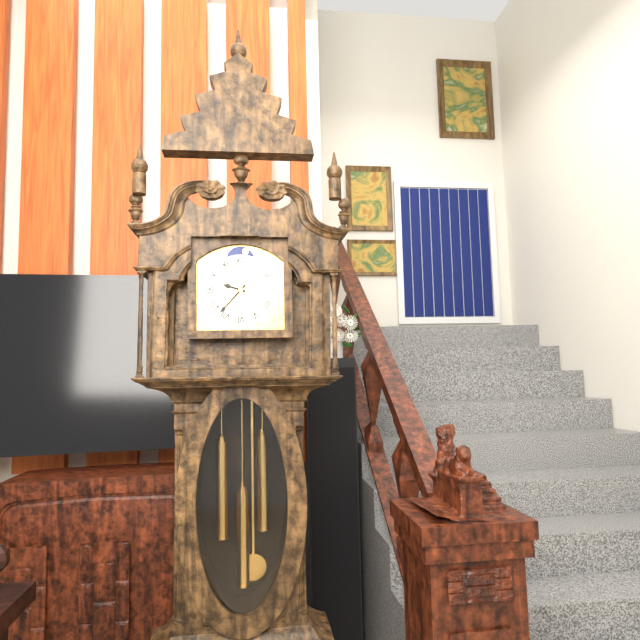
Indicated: 9:37
